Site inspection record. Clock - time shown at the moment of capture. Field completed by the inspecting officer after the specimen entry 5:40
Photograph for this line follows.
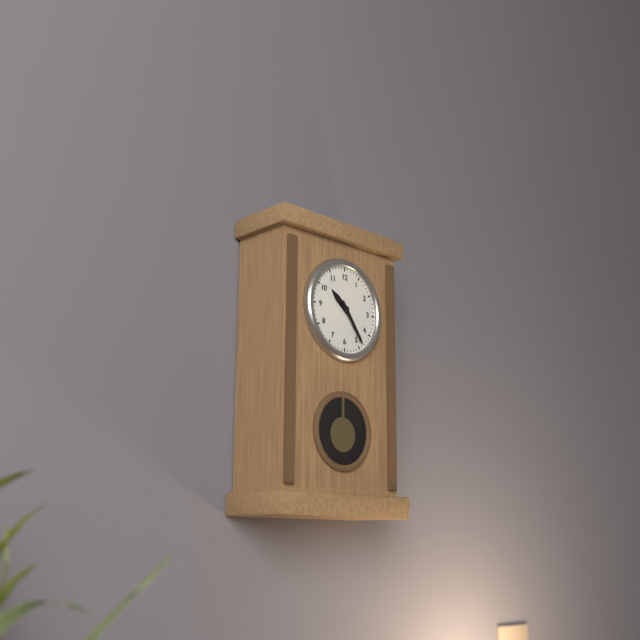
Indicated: 10:24
